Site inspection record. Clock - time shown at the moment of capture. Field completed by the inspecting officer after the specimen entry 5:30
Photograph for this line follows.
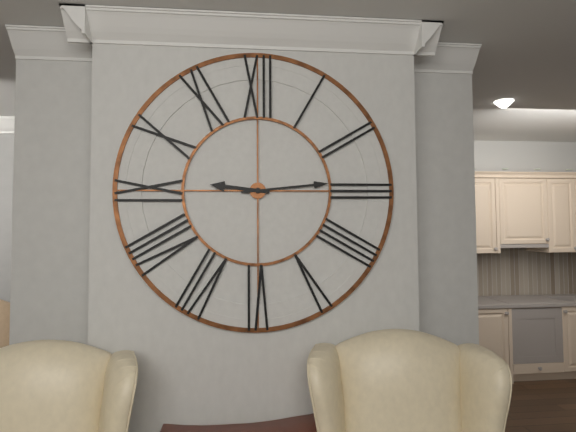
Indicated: 9:14
